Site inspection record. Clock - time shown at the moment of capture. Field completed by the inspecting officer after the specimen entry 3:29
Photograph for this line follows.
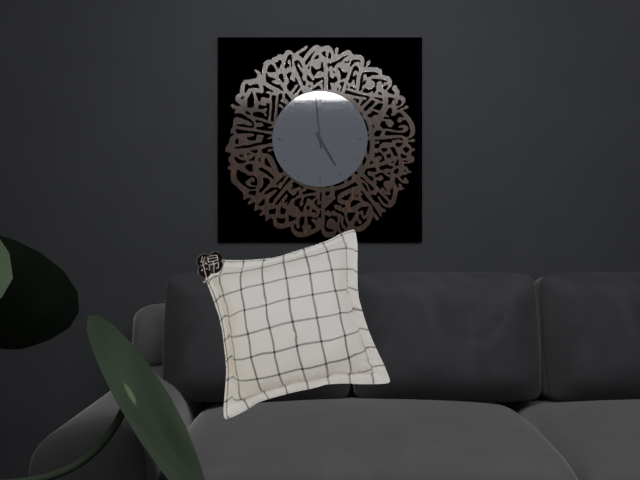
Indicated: 4:59
